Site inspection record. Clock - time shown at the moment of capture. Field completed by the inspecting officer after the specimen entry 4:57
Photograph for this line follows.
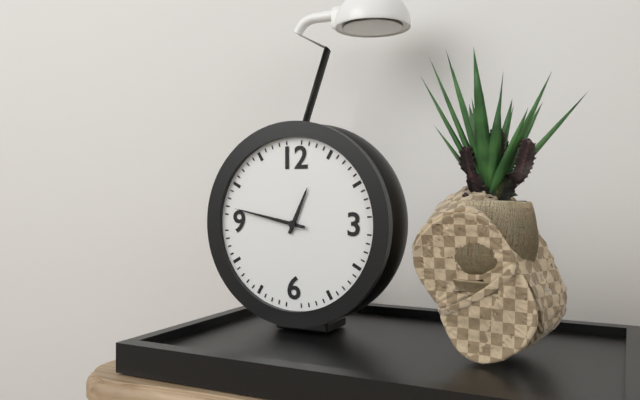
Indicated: 12:47
